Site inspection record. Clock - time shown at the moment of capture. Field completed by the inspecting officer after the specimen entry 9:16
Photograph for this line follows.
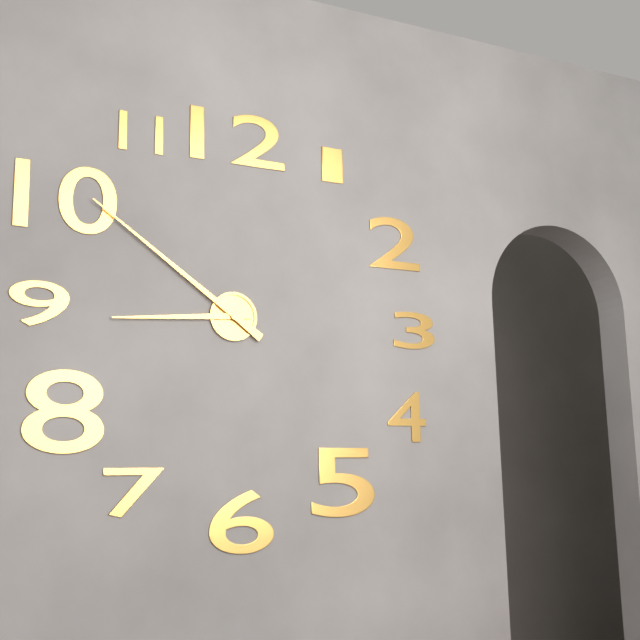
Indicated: 8:51
